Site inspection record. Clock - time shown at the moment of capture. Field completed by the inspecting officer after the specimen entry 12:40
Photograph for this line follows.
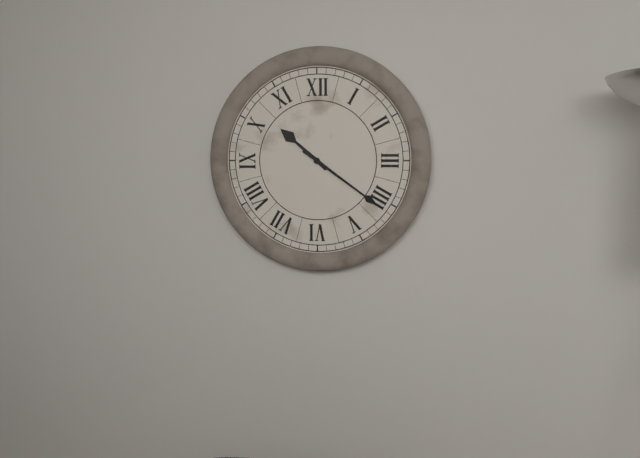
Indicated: 10:21
